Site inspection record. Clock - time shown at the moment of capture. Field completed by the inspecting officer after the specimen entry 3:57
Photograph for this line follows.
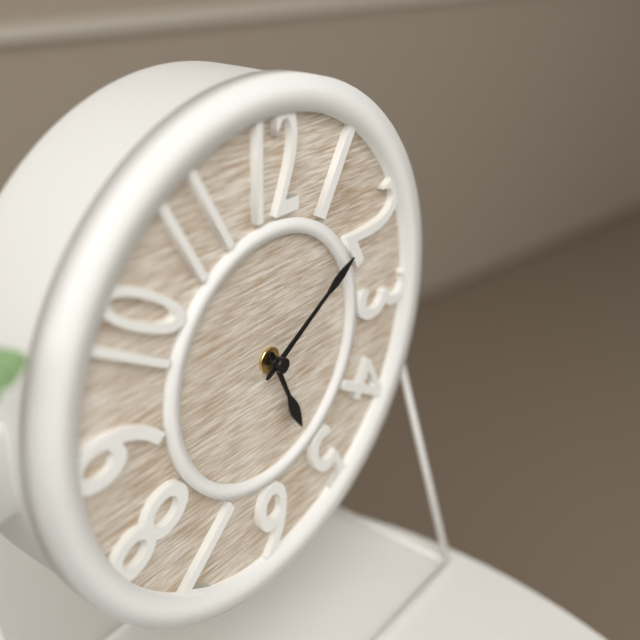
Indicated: 5:10
